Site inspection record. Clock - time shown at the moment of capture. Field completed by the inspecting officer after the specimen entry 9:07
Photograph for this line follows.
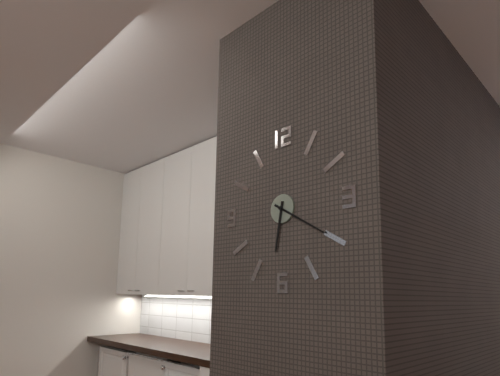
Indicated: 6:20
